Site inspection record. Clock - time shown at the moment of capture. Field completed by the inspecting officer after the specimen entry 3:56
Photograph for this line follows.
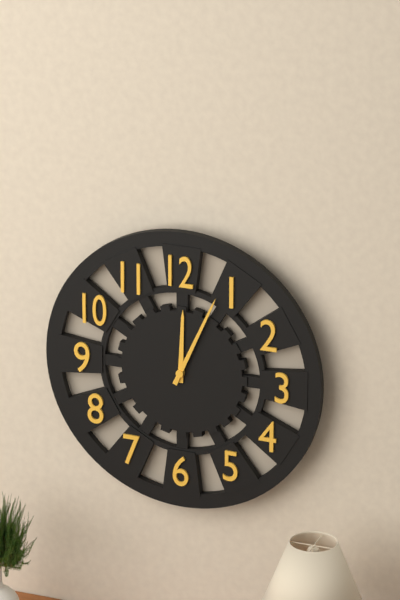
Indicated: 12:04
